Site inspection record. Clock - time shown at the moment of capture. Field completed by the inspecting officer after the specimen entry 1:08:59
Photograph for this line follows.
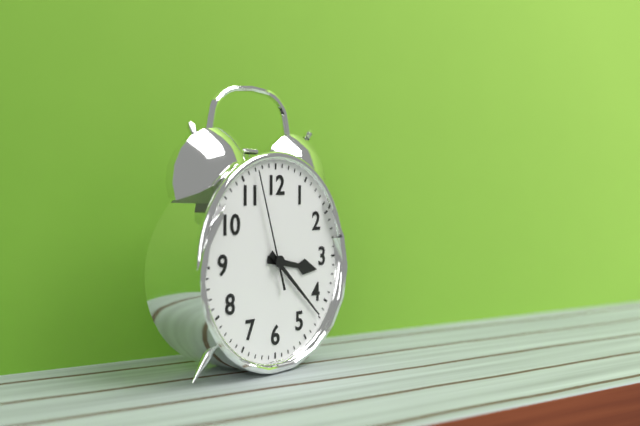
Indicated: 3:22:57
